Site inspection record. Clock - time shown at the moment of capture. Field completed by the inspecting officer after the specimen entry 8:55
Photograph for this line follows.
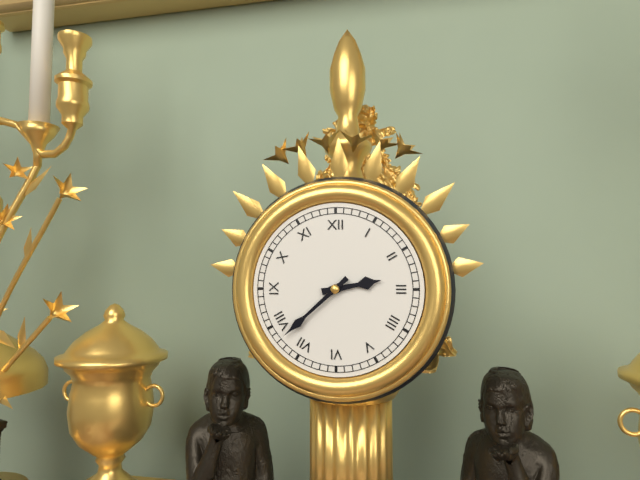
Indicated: 2:38
